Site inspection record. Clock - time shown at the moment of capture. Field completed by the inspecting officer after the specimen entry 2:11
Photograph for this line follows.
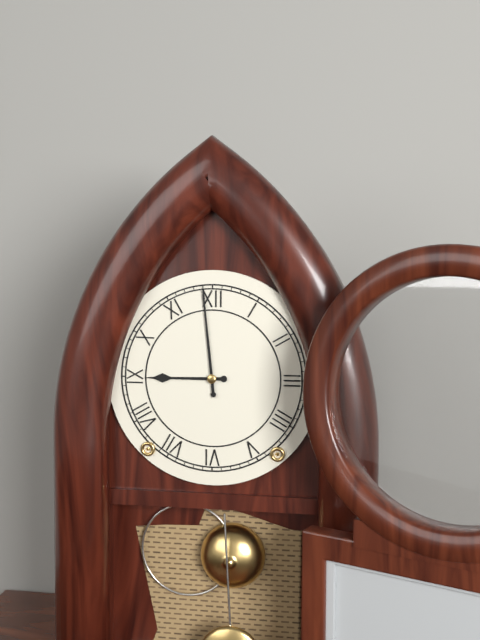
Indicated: 8:59
